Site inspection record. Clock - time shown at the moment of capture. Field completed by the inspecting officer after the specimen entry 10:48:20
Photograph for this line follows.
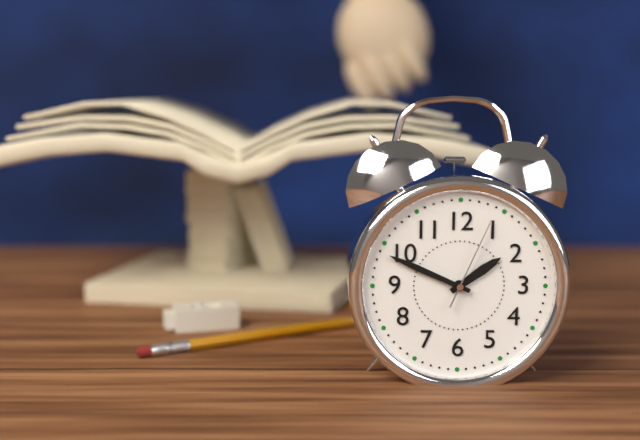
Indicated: 1:49:04
